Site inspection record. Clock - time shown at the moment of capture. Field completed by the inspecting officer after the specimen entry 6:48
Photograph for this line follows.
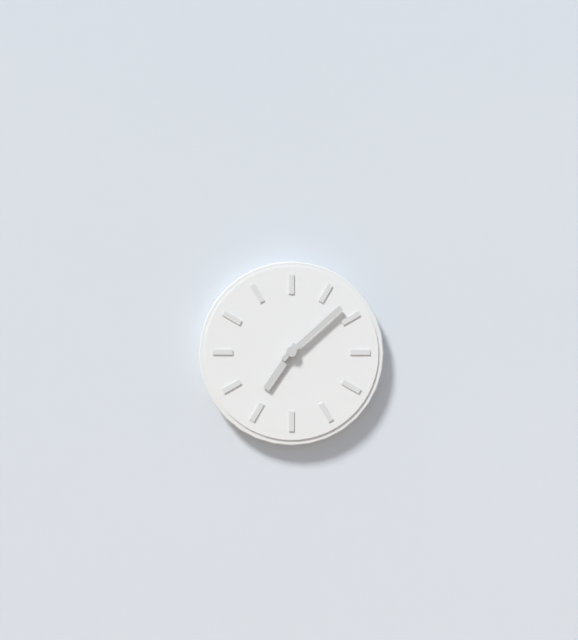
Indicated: 7:08
